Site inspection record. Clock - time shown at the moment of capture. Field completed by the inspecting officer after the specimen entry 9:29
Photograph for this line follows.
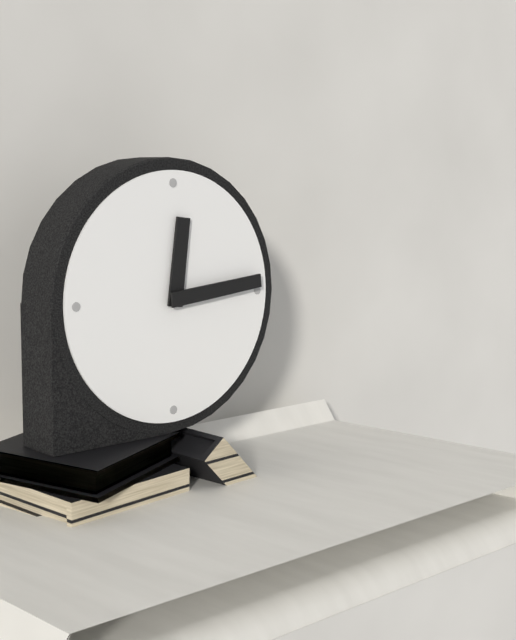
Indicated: 12:14
